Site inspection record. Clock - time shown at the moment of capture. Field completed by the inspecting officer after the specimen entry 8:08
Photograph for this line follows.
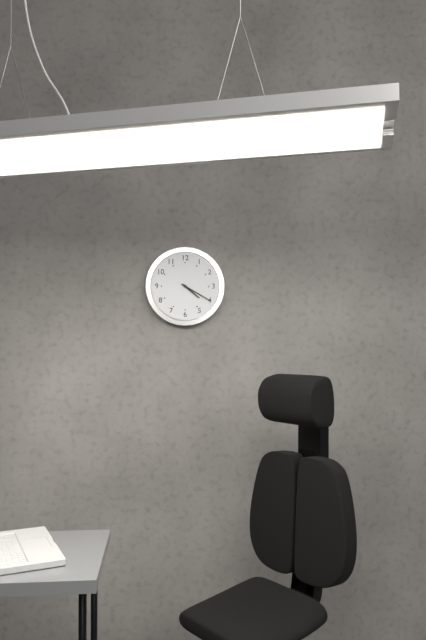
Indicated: 4:20
